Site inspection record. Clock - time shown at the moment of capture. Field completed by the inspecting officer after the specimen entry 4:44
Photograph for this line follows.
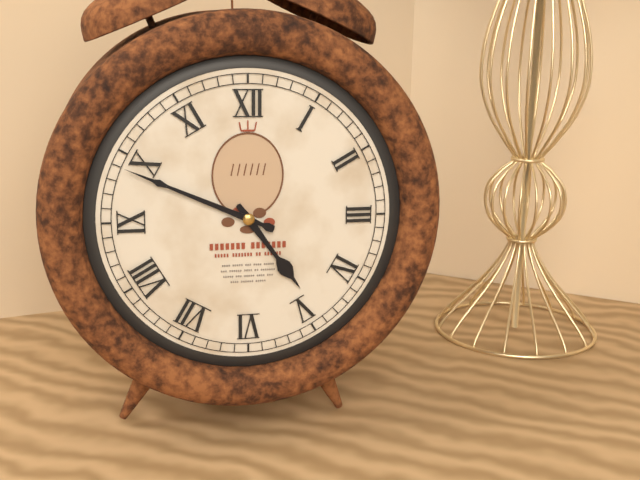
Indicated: 4:49
